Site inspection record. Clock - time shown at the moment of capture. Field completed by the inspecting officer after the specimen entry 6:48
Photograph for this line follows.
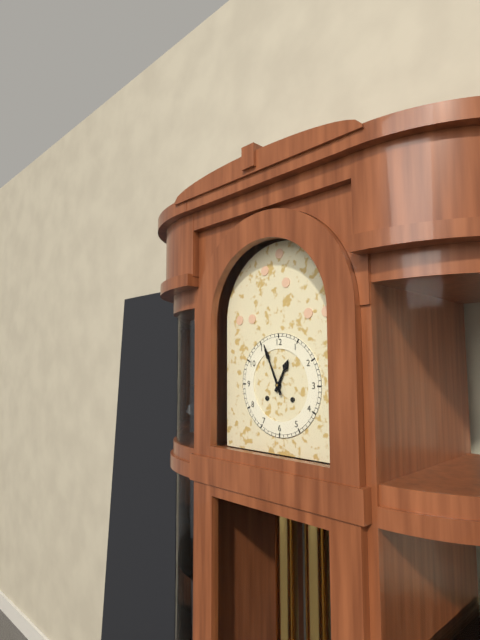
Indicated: 12:56
